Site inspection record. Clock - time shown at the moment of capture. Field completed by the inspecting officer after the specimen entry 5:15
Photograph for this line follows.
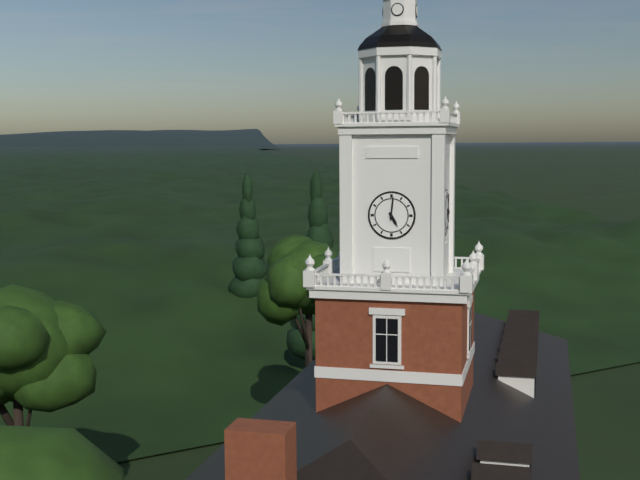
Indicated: 5:01
